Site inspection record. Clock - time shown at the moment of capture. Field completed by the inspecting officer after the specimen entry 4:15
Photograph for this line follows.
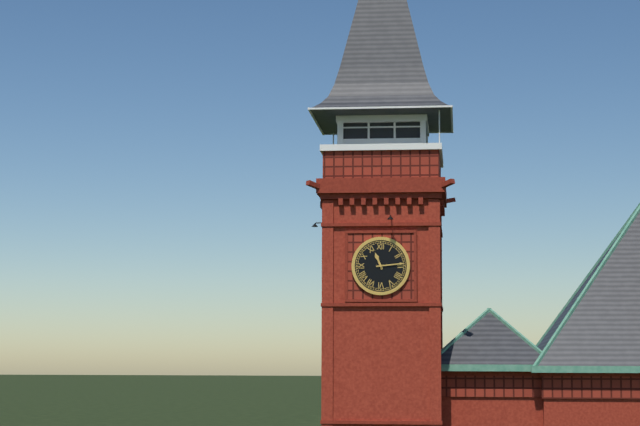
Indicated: 11:14
